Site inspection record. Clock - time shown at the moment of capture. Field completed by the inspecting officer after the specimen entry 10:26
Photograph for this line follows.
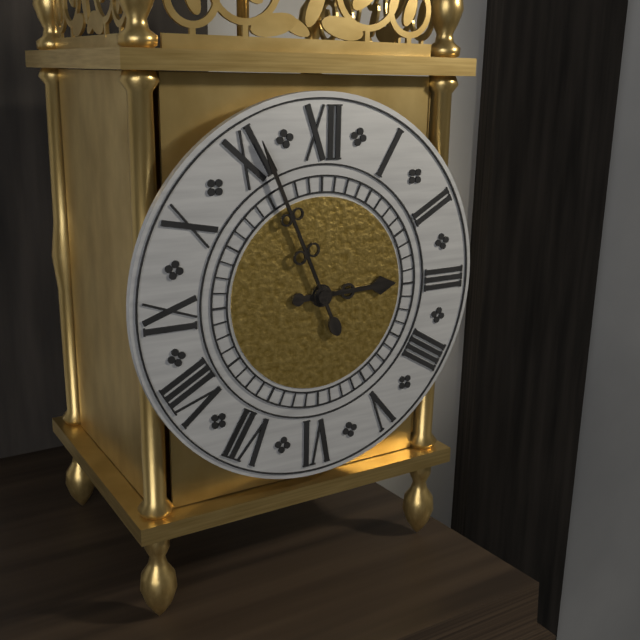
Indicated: 2:56
